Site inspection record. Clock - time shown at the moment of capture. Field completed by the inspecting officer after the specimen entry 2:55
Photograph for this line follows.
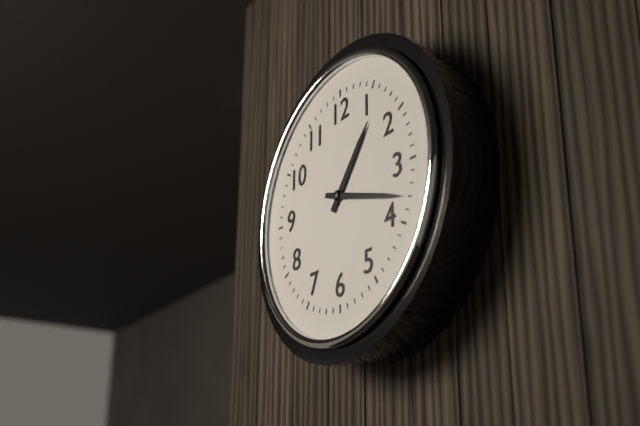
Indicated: 1:18
